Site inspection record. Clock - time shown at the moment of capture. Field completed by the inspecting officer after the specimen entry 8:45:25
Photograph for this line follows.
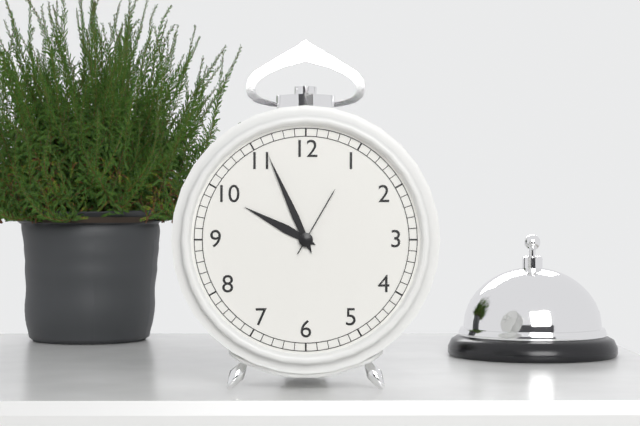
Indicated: 9:56:05
